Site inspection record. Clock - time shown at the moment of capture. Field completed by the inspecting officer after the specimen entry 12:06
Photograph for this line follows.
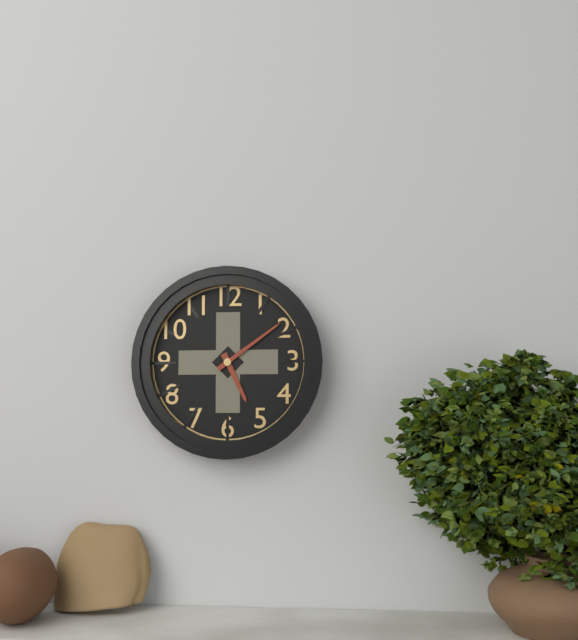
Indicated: 5:09
